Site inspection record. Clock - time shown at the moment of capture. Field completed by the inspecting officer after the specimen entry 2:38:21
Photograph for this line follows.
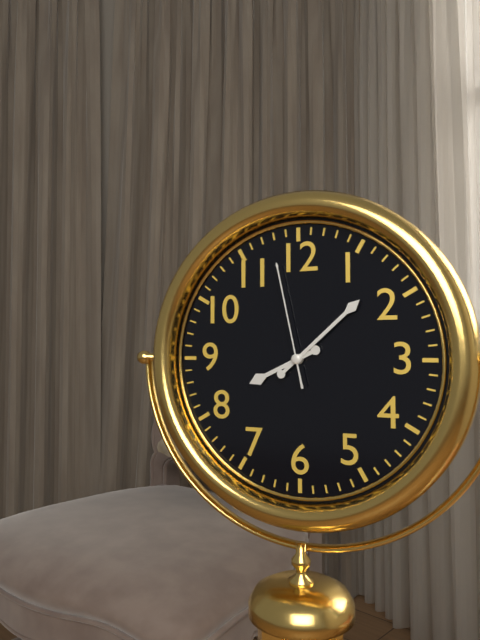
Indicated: 8:08:58
